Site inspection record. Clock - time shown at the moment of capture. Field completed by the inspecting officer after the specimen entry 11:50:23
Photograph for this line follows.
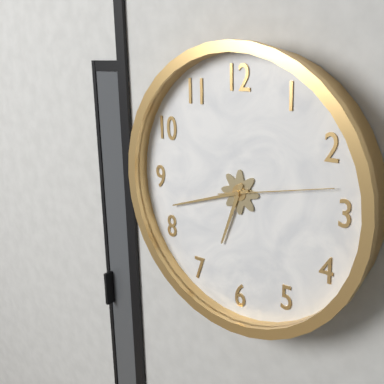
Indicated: 6:42:13
